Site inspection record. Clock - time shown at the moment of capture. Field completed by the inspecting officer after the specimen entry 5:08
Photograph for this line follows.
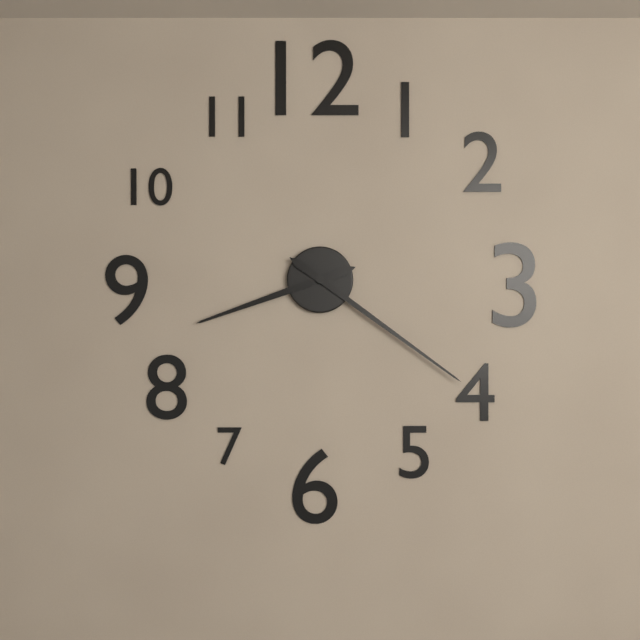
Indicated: 8:21
